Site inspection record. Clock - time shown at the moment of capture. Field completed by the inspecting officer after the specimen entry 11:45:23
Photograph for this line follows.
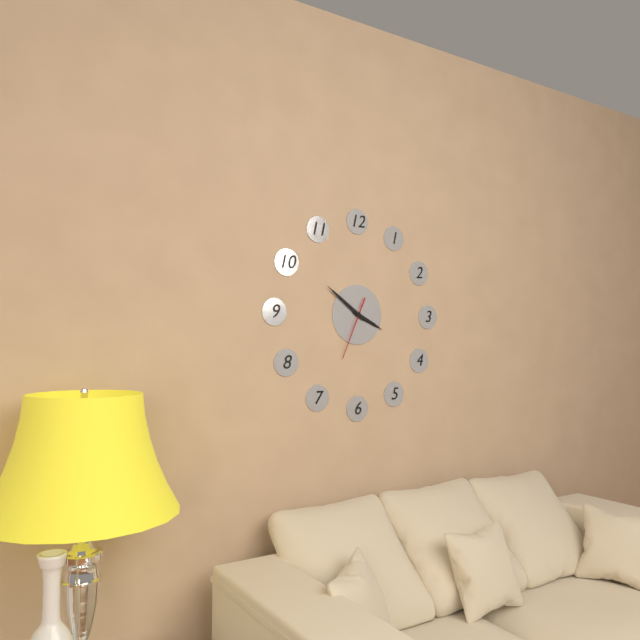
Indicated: 3:51:34
